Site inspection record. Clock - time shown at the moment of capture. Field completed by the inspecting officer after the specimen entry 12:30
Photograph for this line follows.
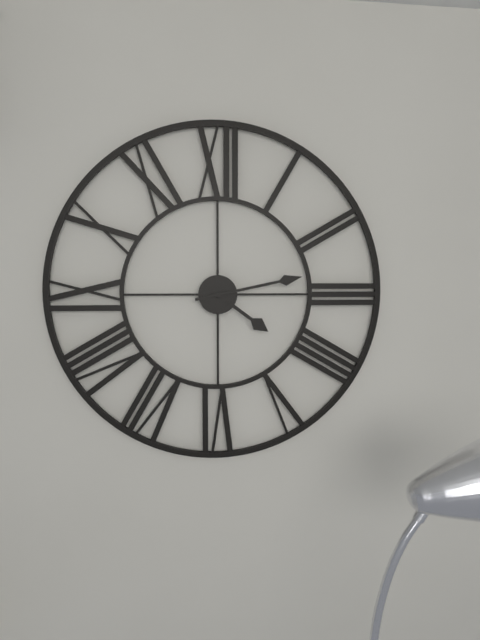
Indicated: 4:13
